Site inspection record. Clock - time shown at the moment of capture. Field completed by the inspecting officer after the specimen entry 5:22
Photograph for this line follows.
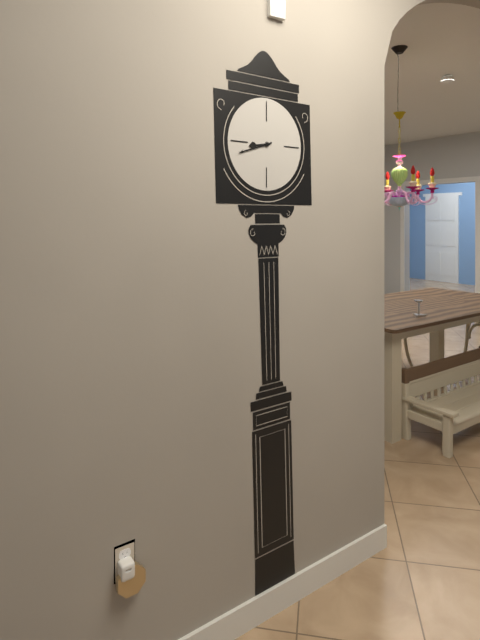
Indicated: 8:42
